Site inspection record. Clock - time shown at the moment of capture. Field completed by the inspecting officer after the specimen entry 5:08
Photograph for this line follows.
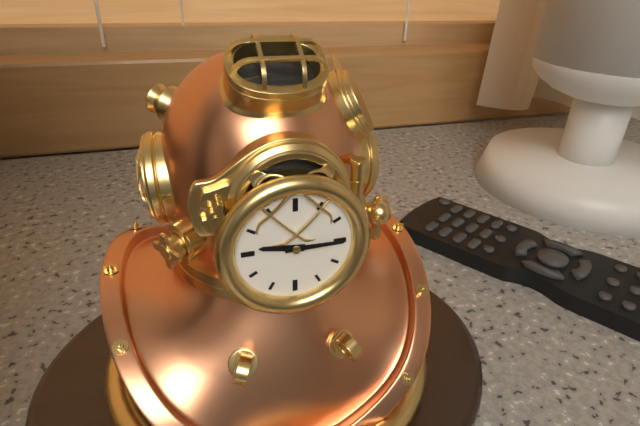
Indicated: 9:15
